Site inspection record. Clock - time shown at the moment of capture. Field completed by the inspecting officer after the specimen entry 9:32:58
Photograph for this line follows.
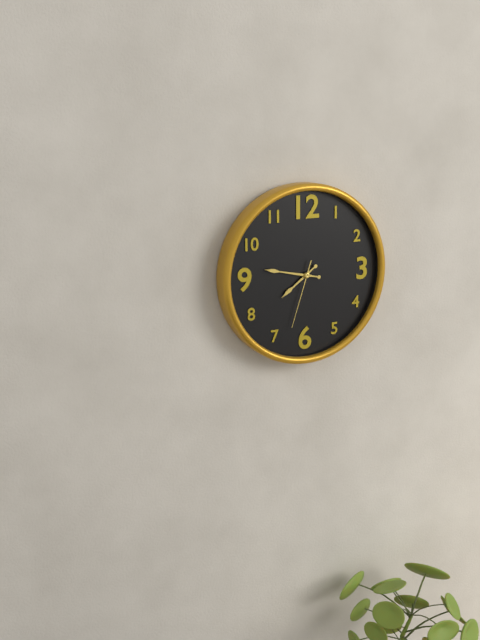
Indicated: 7:47:33
